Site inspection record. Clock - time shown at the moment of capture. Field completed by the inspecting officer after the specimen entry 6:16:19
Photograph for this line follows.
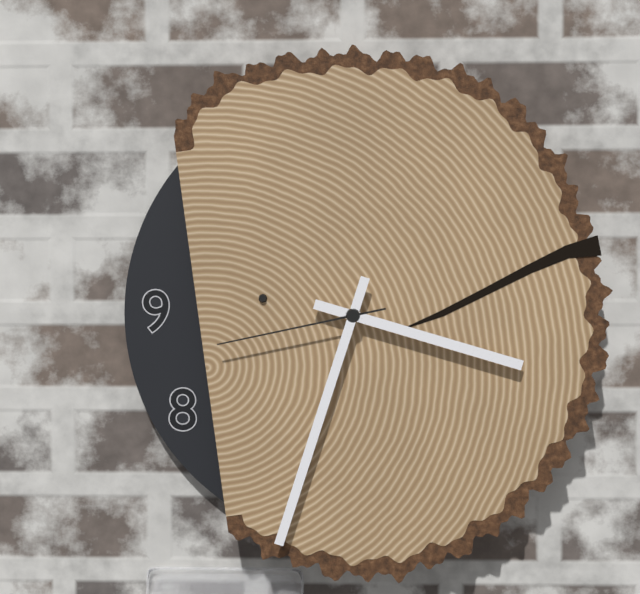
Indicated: 3:33:43
